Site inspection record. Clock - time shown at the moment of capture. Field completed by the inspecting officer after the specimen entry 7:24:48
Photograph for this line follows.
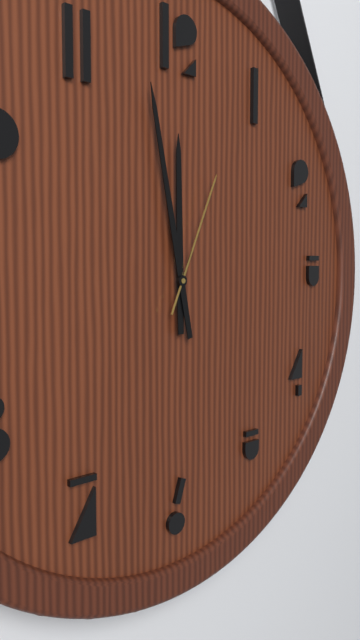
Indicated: 11:58:04
